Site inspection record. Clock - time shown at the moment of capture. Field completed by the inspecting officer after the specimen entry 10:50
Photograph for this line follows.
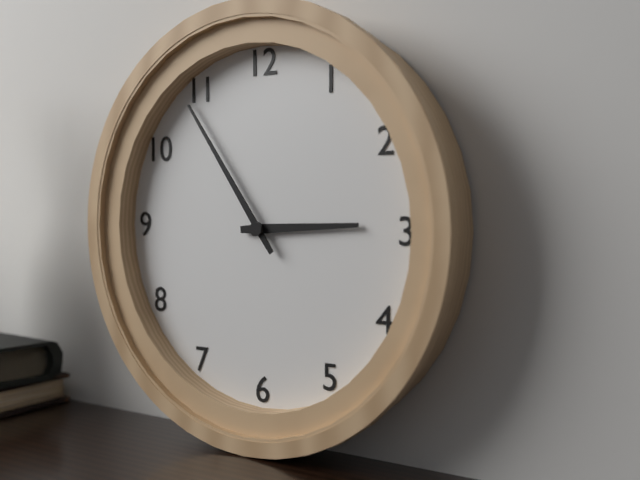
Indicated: 2:54
